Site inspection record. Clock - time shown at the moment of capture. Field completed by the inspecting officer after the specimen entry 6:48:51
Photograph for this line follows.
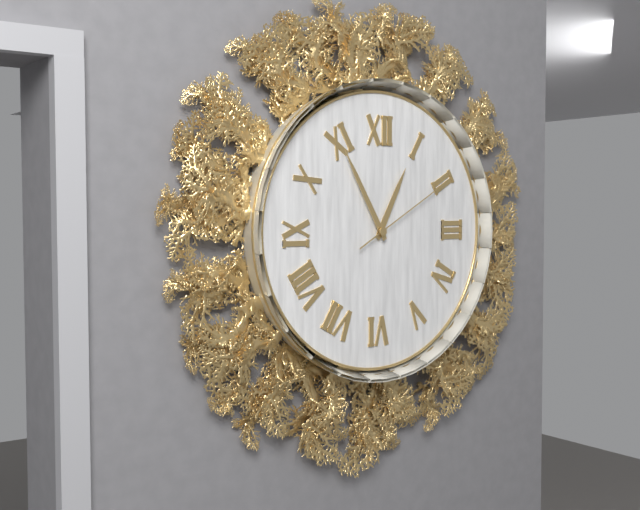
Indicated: 12:55:10
